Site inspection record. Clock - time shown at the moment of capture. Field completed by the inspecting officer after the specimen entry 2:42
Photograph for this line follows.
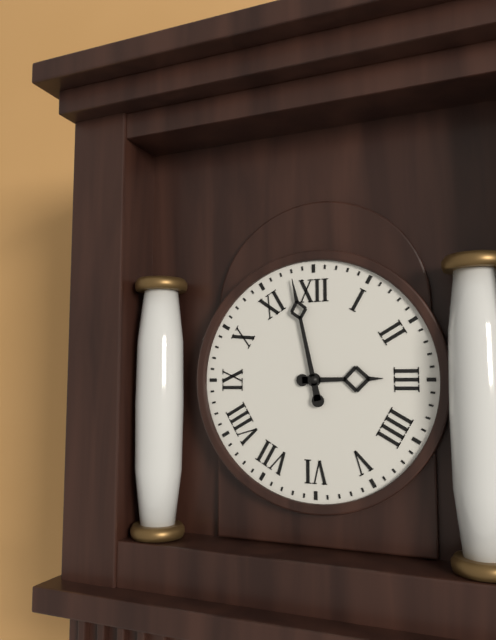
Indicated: 2:58
